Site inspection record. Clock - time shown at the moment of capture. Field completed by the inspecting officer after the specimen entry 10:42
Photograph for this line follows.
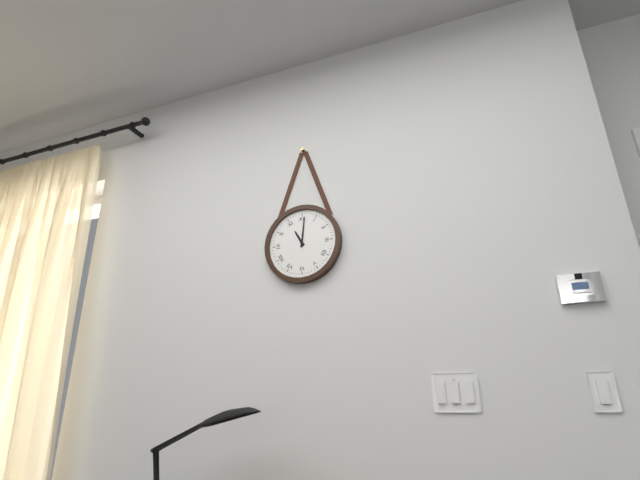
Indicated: 11:01
